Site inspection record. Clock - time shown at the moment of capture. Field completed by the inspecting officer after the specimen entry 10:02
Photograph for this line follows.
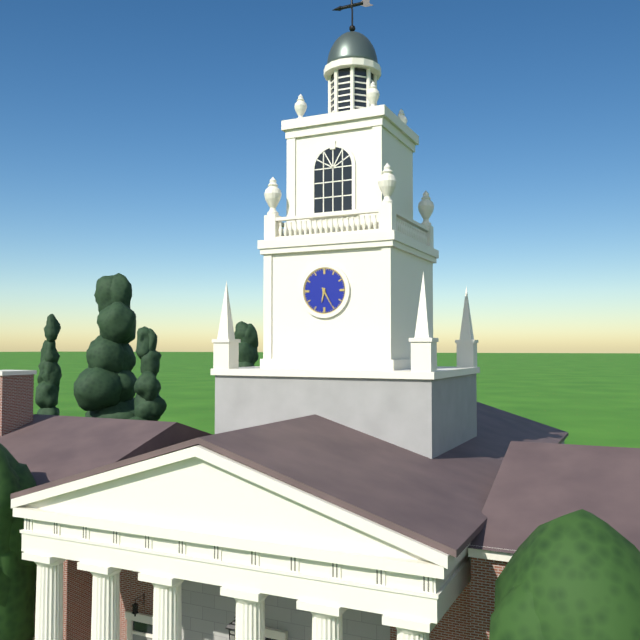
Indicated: 6:25
